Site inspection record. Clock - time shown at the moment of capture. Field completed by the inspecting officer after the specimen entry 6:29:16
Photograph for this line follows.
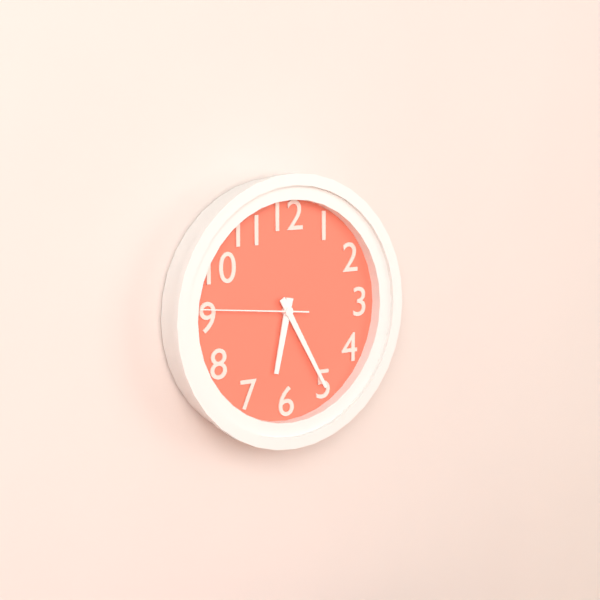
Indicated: 6:25:46
